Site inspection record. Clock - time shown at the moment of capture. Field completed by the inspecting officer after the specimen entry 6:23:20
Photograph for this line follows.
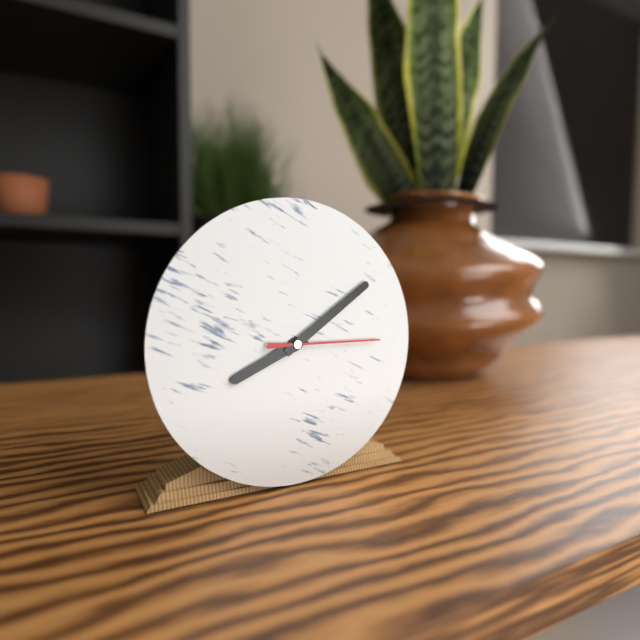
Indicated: 8:09:15
